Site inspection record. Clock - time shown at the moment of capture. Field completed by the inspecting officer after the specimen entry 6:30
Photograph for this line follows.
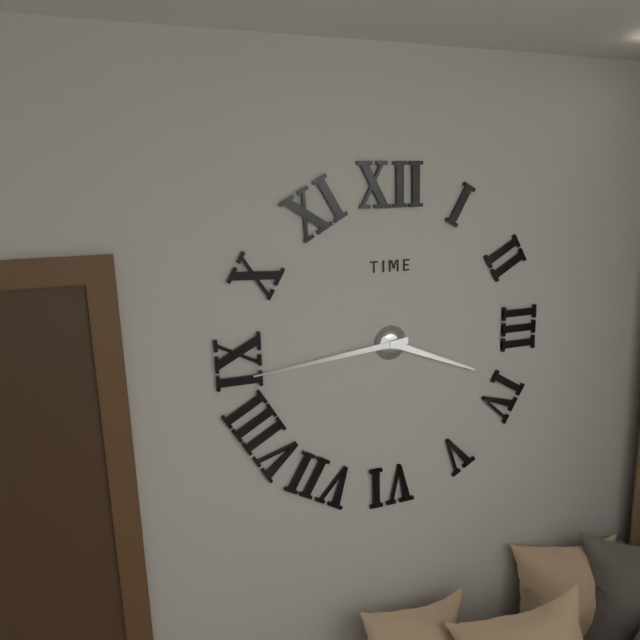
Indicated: 3:44
